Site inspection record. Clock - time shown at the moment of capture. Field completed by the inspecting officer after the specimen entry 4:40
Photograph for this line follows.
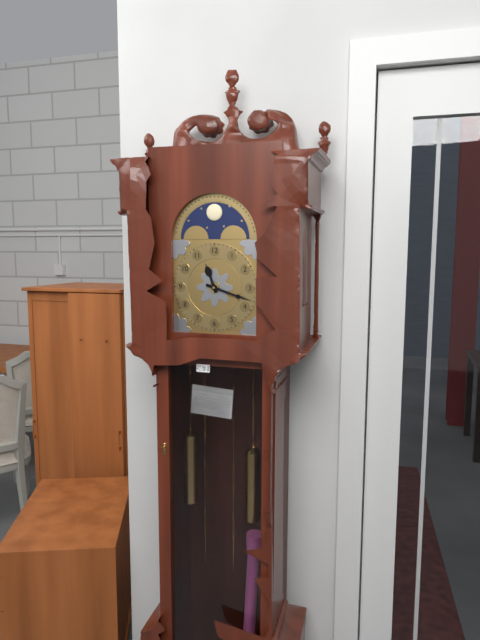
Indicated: 11:18
